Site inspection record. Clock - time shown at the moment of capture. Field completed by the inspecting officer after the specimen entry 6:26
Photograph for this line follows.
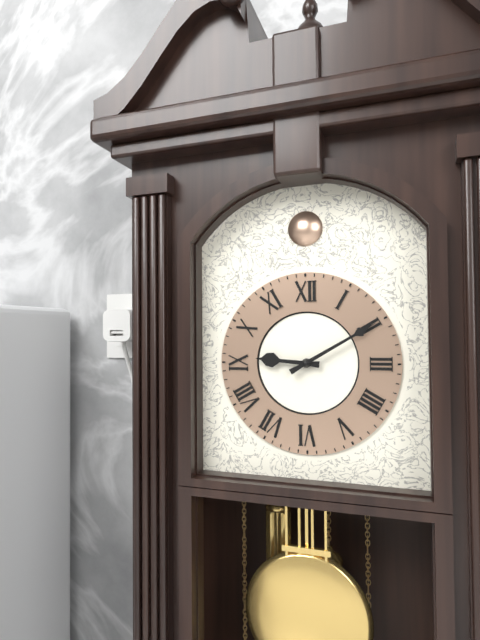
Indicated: 9:10
